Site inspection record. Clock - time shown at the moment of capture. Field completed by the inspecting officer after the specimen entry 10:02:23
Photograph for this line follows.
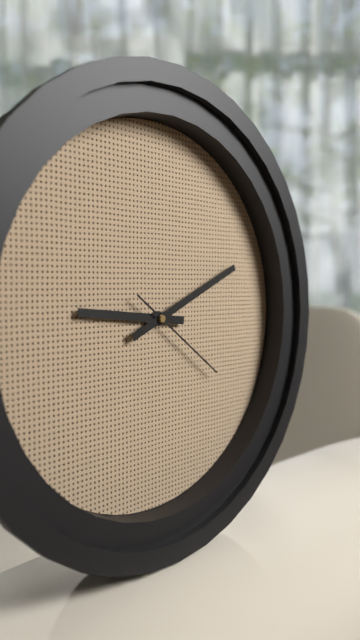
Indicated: 9:11:21
